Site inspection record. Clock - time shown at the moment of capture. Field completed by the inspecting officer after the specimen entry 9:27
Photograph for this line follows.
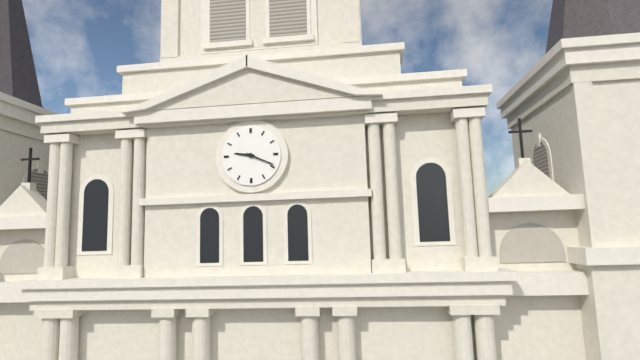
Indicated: 9:19
